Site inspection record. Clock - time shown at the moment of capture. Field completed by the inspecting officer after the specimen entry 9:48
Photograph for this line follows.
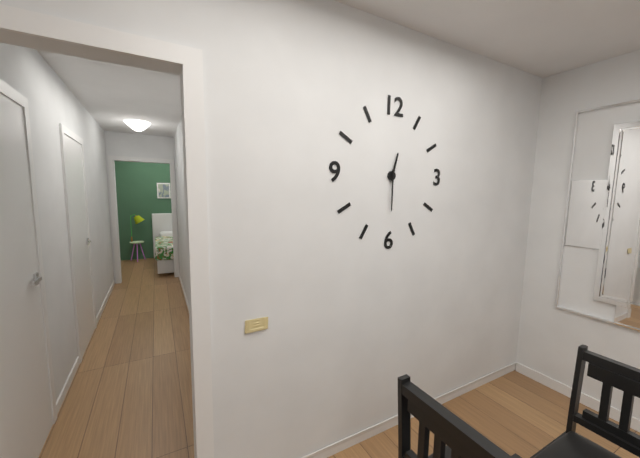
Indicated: 12:30
